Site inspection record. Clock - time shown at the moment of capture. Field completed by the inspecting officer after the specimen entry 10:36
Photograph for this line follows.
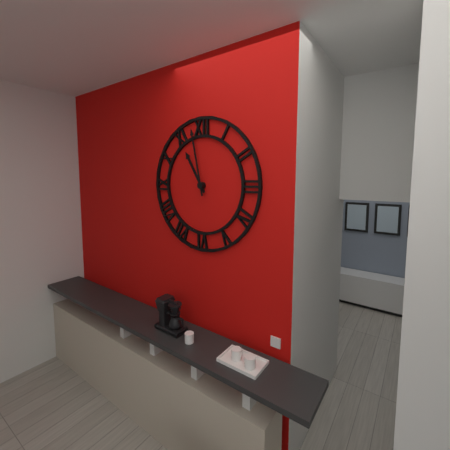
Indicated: 10:58
